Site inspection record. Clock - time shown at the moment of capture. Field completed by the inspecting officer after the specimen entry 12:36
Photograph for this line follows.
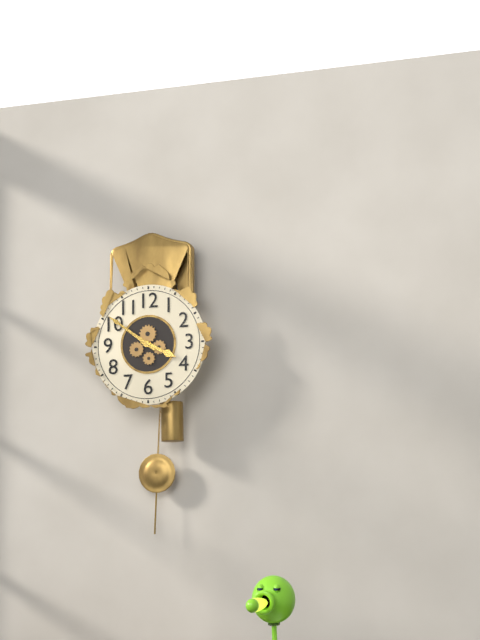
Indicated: 3:51
